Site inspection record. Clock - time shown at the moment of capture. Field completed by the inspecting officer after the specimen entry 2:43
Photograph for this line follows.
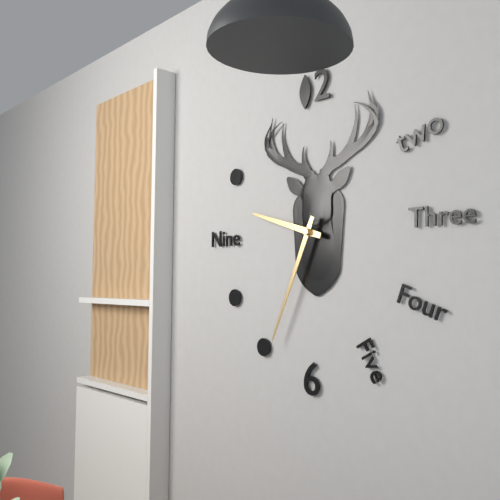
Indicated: 9:34
